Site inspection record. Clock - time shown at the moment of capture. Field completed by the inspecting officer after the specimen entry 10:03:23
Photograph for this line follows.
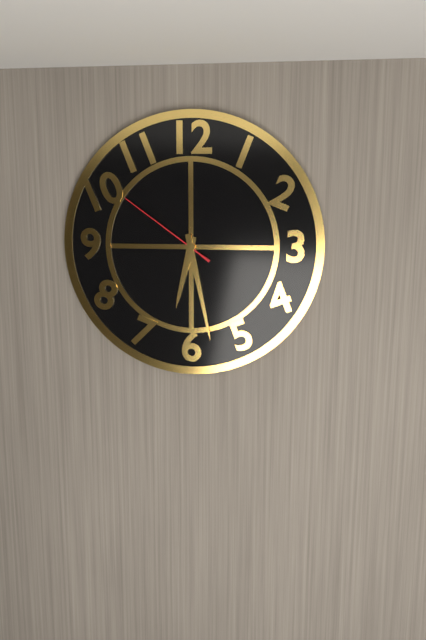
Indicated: 6:28:51
